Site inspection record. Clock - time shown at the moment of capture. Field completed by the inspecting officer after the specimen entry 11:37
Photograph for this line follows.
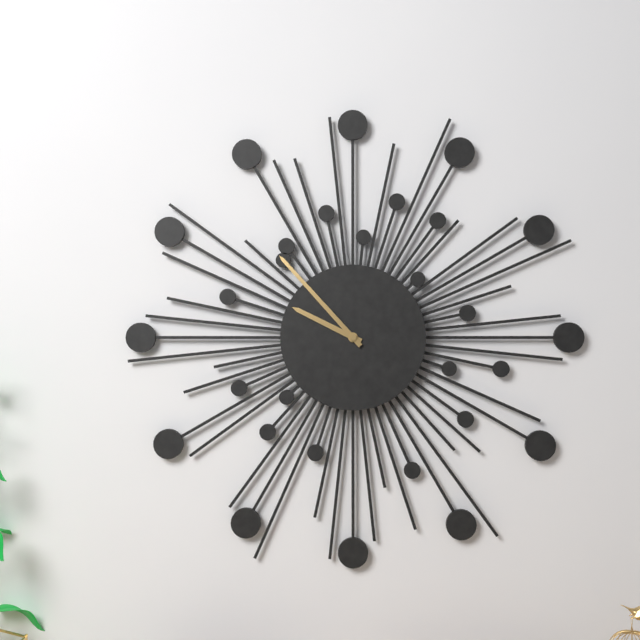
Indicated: 9:53
